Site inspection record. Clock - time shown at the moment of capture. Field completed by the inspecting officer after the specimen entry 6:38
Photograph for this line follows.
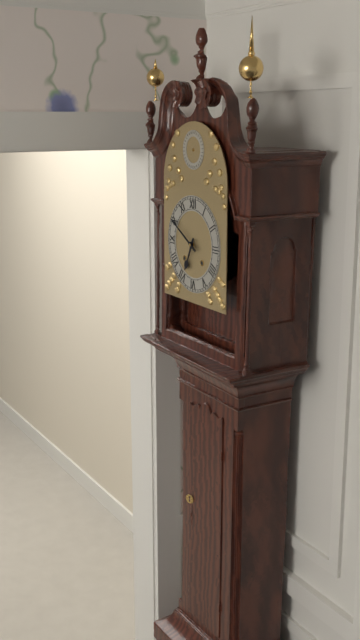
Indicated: 6:50
